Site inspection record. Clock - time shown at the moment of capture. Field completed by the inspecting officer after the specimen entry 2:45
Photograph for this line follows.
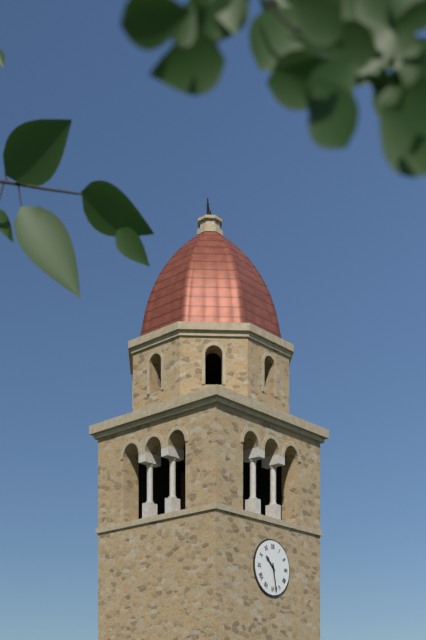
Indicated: 10:28
